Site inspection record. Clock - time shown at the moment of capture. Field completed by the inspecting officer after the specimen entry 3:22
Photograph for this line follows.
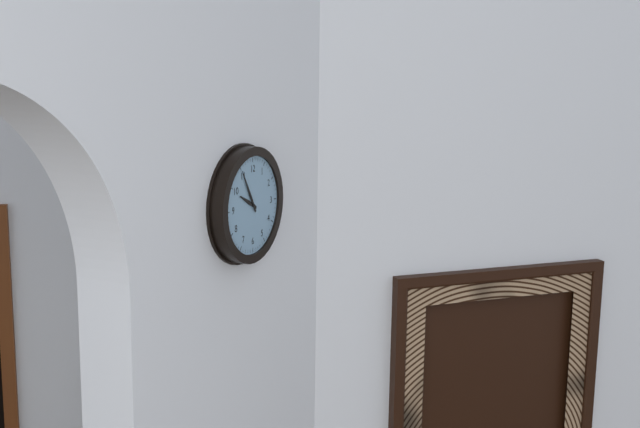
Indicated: 9:55
